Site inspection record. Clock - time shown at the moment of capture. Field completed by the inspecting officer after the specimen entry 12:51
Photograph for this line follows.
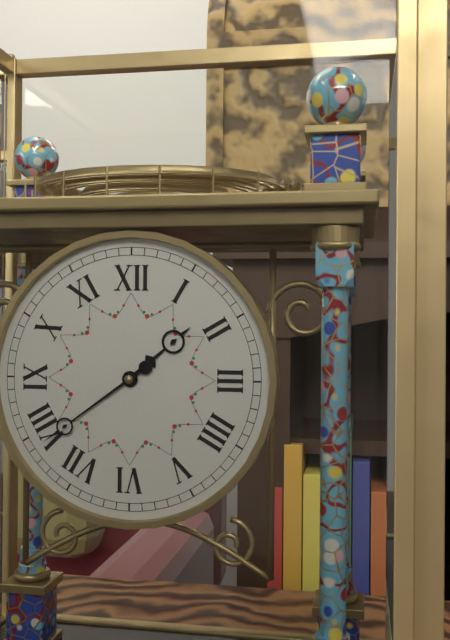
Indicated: 1:39
